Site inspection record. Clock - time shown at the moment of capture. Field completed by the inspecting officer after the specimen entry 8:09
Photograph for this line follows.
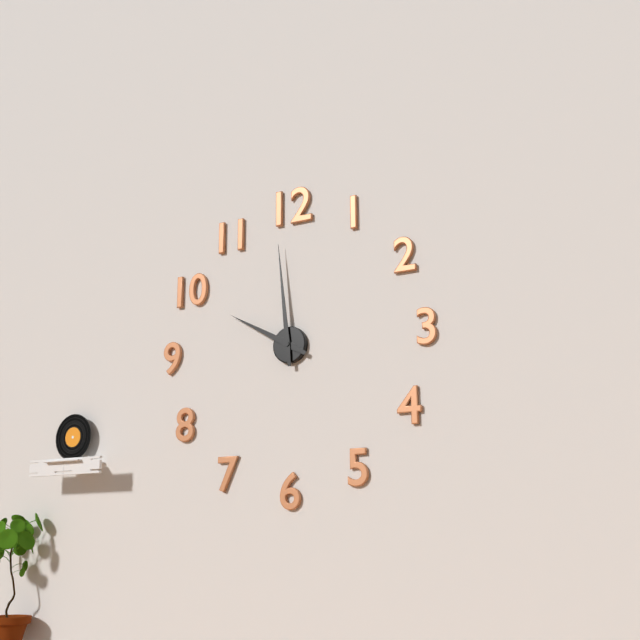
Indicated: 9:59
